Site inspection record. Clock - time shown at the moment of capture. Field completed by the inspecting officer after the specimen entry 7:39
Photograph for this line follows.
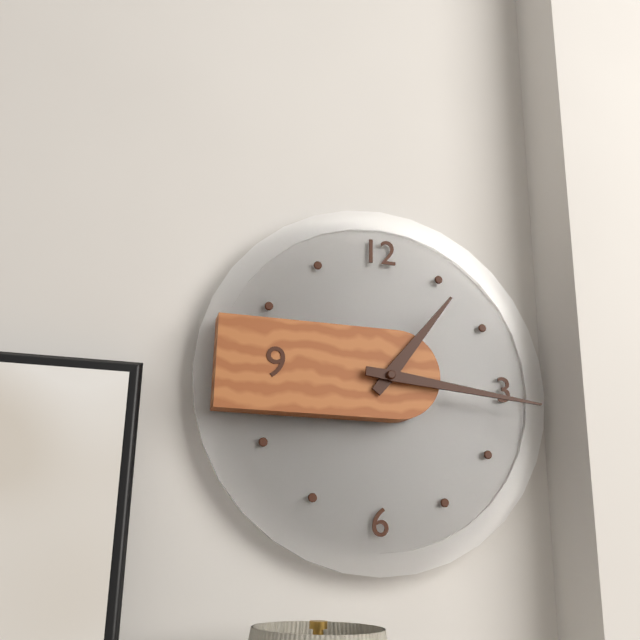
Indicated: 1:16
